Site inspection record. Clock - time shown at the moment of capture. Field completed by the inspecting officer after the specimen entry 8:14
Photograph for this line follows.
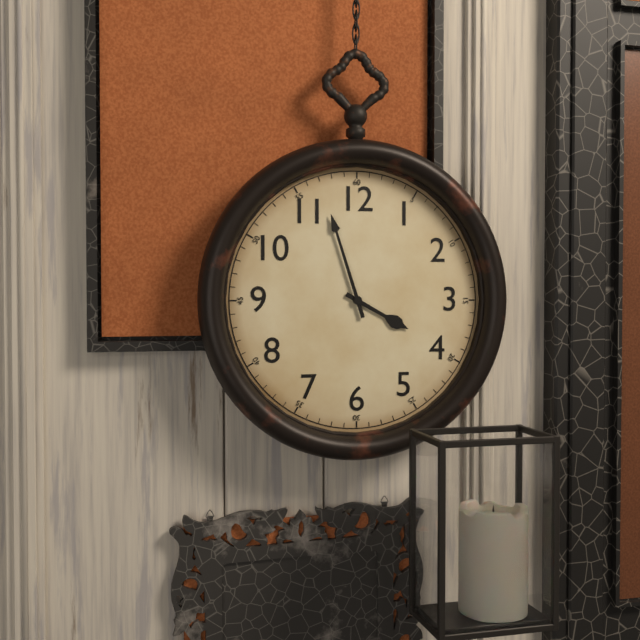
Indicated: 3:57
